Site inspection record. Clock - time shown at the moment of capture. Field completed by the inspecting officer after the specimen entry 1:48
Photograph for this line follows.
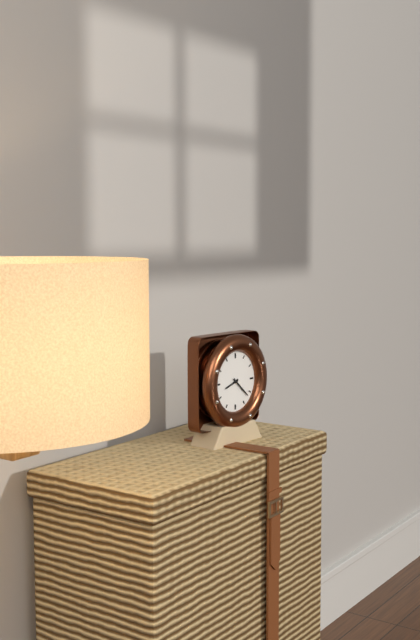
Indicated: 8:22
